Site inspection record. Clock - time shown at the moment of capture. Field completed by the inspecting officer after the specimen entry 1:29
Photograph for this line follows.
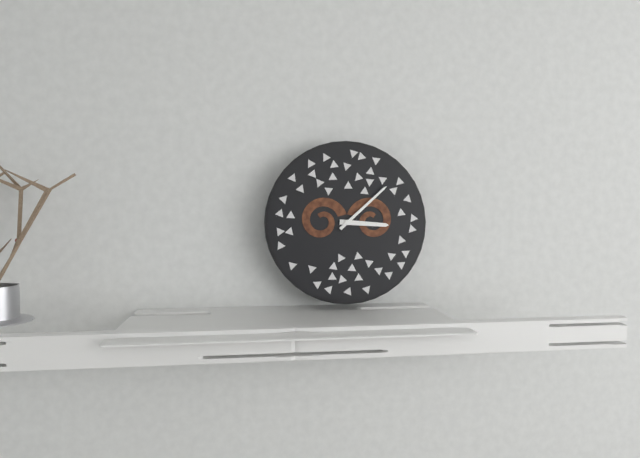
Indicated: 3:08
